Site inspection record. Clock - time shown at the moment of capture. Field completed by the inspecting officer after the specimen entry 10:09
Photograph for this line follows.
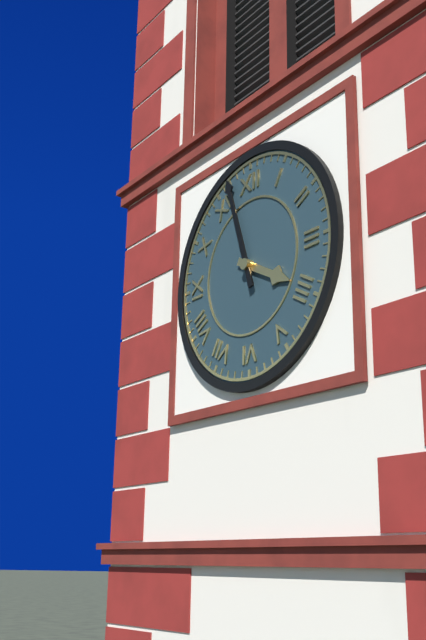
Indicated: 3:57
